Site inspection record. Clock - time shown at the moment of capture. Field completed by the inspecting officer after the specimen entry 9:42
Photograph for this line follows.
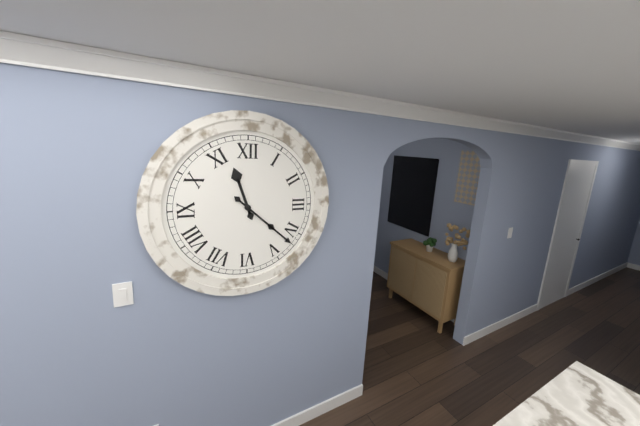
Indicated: 11:22
